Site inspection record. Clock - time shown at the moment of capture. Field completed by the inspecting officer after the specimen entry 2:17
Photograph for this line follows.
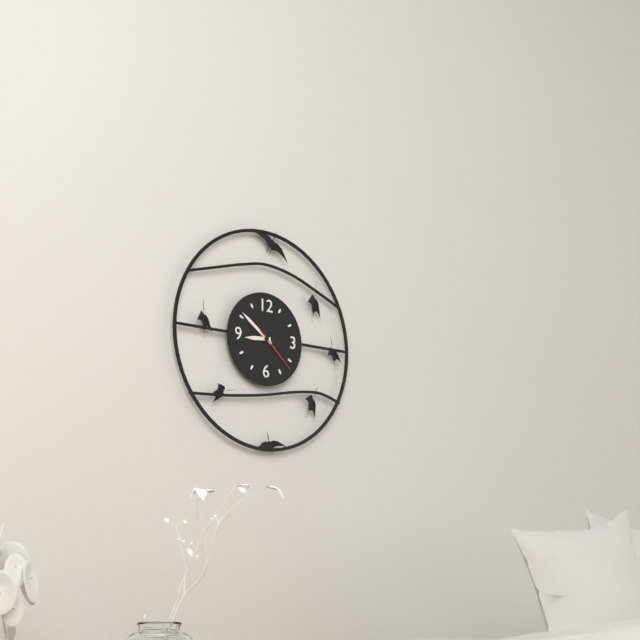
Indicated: 8:51
